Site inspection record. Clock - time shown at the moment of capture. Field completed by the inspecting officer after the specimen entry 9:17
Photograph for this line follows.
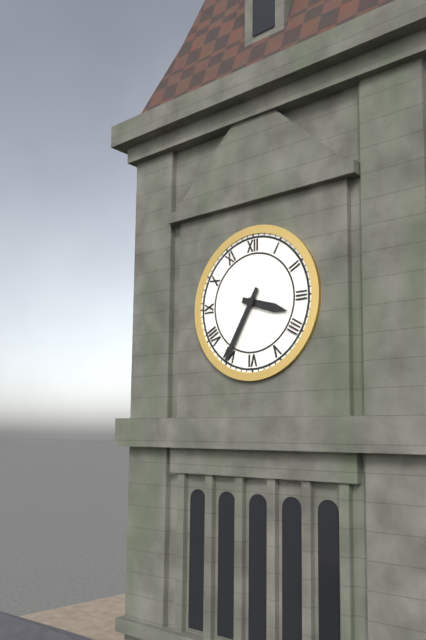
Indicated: 3:35
